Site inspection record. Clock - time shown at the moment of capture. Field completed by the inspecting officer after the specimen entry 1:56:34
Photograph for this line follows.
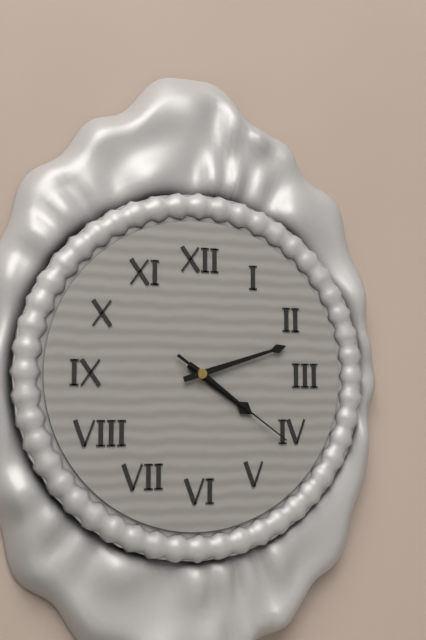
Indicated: 4:12:21
